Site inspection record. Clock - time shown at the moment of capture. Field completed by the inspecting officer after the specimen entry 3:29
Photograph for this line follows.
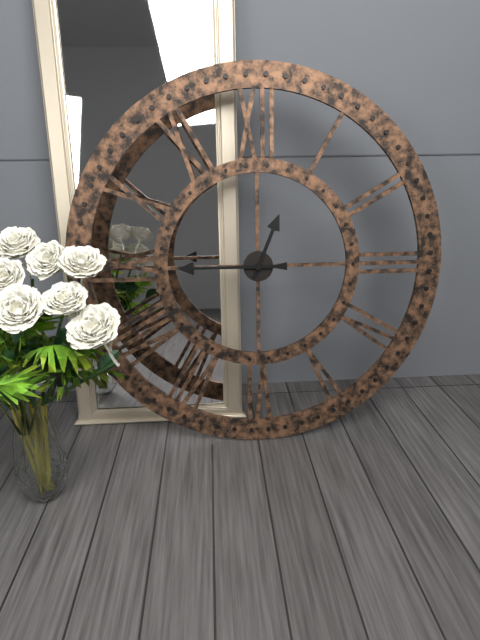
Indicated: 12:45
